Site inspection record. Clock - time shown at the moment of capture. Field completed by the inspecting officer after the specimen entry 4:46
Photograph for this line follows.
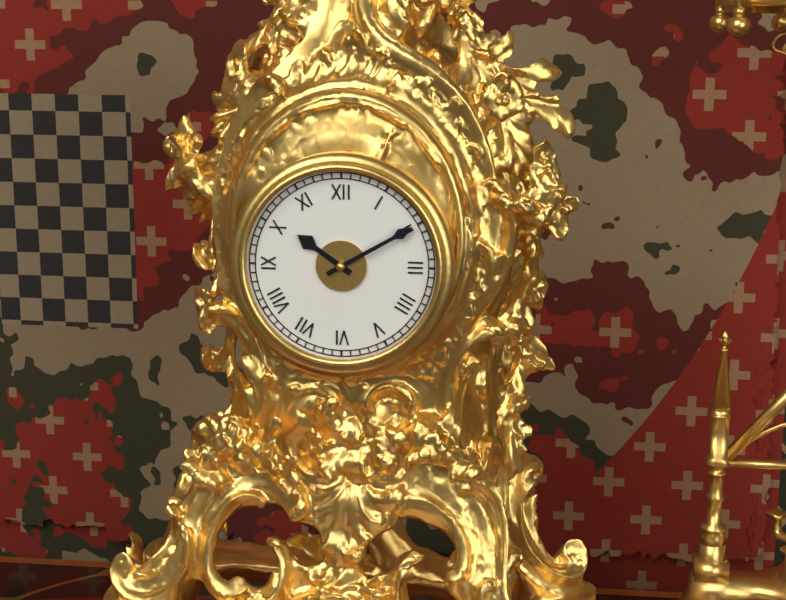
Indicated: 10:10
